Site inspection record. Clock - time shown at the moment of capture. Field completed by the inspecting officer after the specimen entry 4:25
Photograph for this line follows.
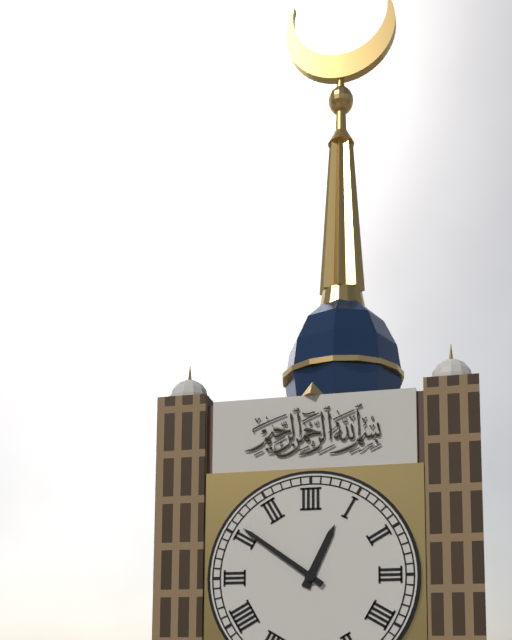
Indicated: 12:51
